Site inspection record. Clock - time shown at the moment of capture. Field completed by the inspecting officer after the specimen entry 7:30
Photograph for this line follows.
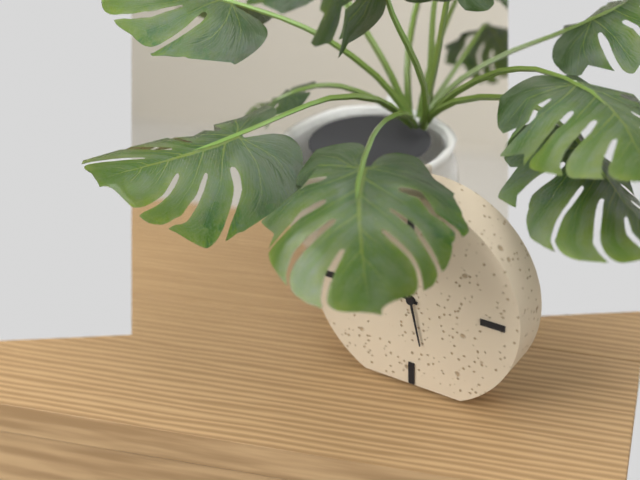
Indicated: 9:28
